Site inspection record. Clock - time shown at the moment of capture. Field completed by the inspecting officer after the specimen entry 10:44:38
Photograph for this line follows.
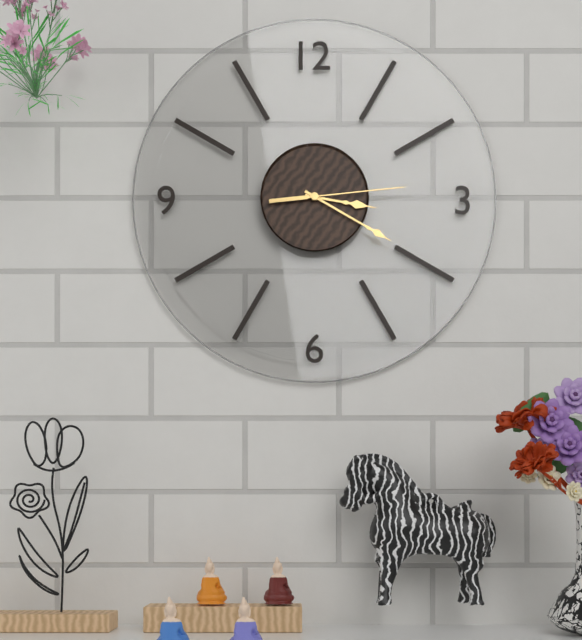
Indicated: 3:20:14
